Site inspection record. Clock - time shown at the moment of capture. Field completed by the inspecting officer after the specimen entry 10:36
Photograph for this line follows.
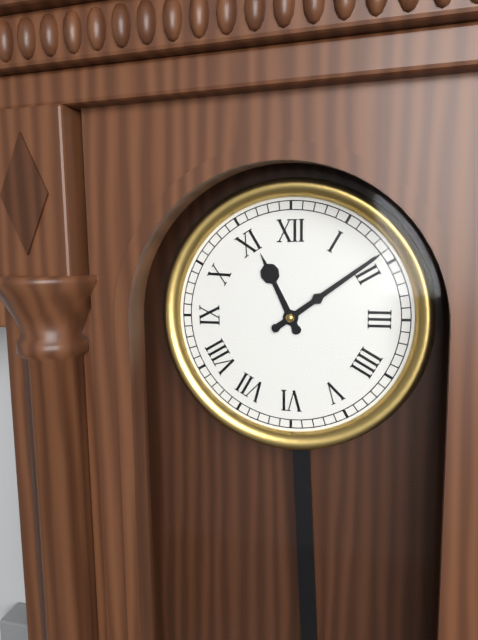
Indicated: 11:09
